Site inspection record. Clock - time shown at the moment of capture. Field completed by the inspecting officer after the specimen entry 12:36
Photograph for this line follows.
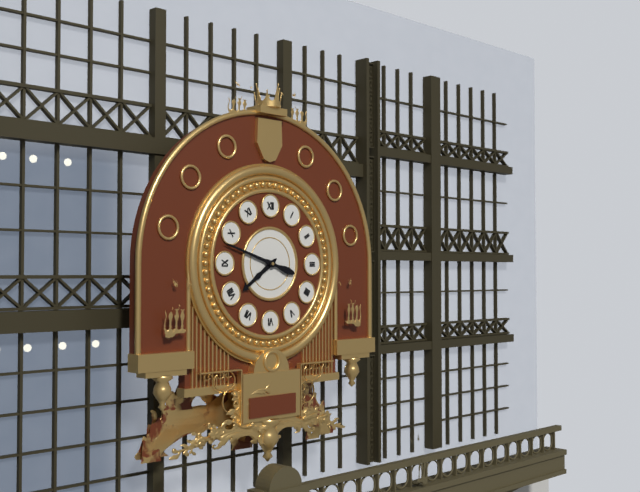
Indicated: 7:48
